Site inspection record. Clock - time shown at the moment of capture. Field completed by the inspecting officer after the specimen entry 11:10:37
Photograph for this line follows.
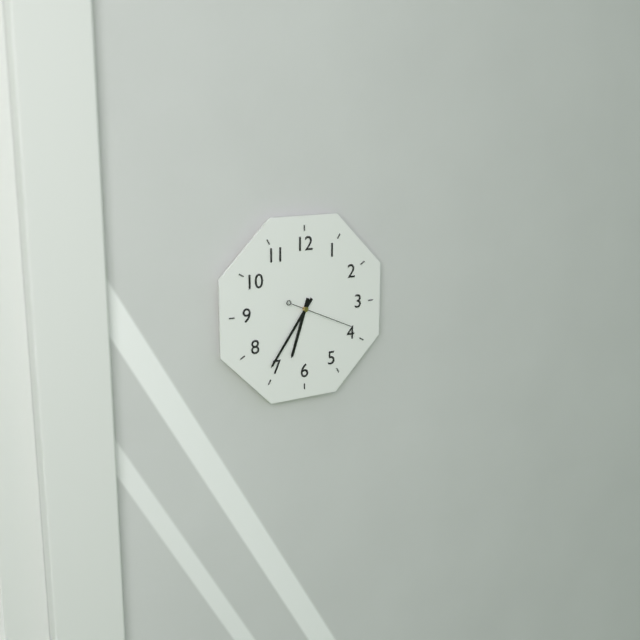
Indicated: 6:36:19
